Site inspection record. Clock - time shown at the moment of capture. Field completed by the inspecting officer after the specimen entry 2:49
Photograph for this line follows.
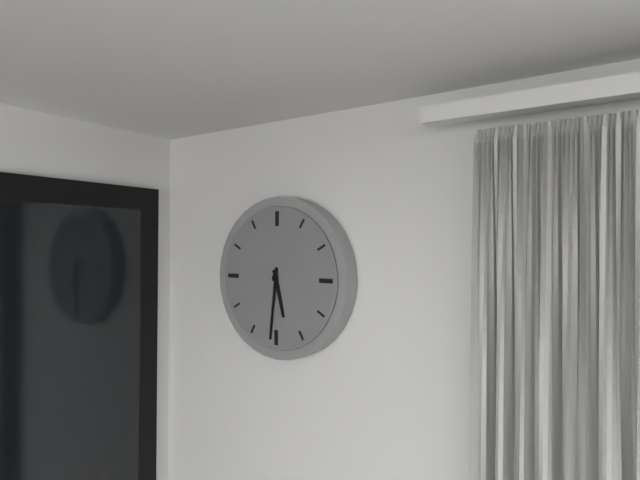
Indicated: 5:31
